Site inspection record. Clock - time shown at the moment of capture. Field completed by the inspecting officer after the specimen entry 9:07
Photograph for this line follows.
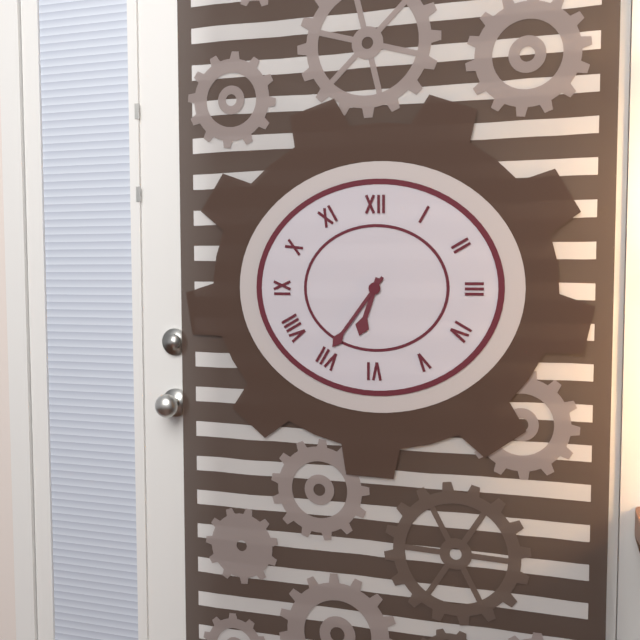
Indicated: 6:36
